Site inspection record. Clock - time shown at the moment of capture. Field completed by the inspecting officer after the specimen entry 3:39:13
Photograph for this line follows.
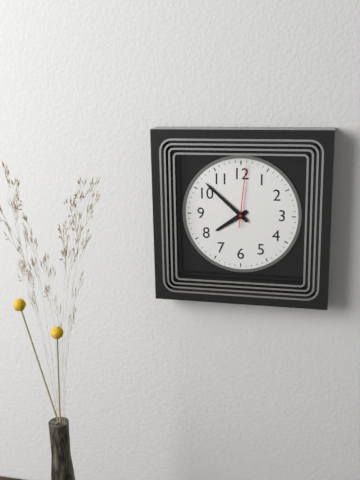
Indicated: 7:52:01
